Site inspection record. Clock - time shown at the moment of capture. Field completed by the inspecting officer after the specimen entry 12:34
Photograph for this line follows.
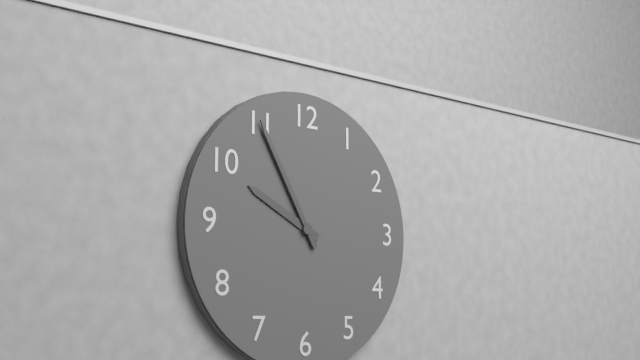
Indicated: 9:55
